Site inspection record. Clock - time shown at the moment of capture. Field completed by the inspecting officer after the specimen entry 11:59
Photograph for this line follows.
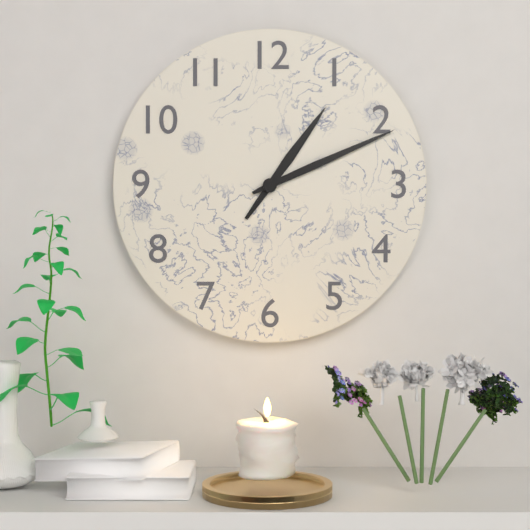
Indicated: 1:11
